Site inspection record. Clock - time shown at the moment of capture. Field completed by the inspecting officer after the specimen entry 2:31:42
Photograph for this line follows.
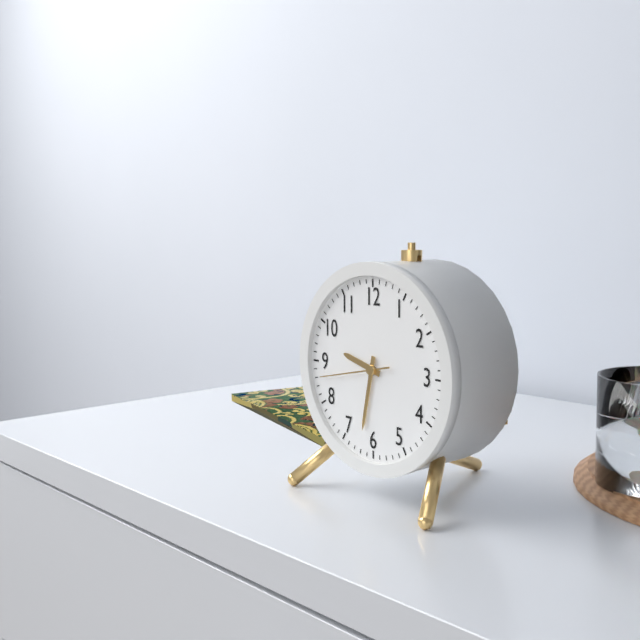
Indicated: 9:32:43
